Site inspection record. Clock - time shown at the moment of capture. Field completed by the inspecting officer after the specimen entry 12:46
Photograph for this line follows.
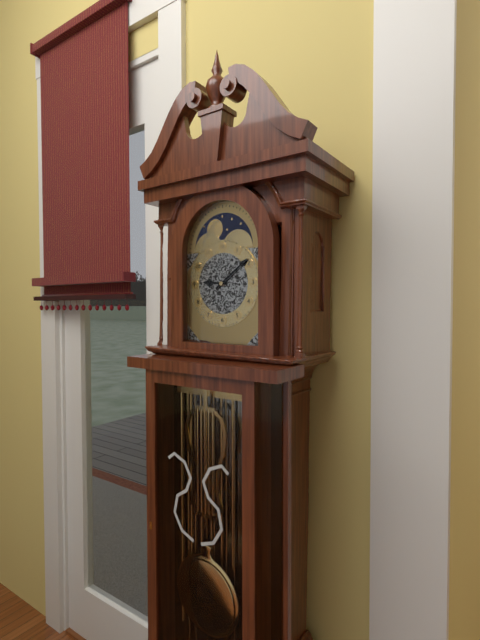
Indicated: 9:09
